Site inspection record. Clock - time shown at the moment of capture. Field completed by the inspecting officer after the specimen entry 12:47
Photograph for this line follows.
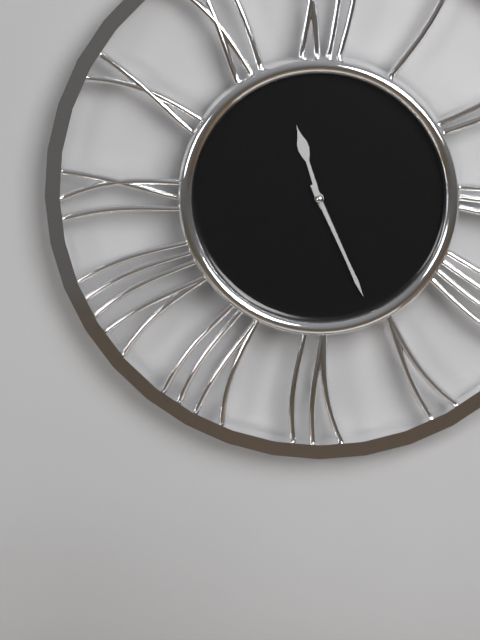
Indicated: 11:26
